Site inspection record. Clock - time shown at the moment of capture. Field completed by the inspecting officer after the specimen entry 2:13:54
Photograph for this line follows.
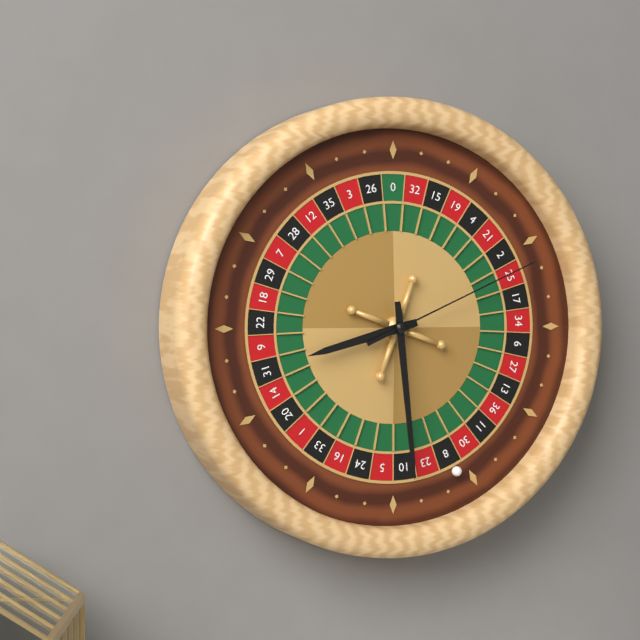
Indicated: 8:29:11
